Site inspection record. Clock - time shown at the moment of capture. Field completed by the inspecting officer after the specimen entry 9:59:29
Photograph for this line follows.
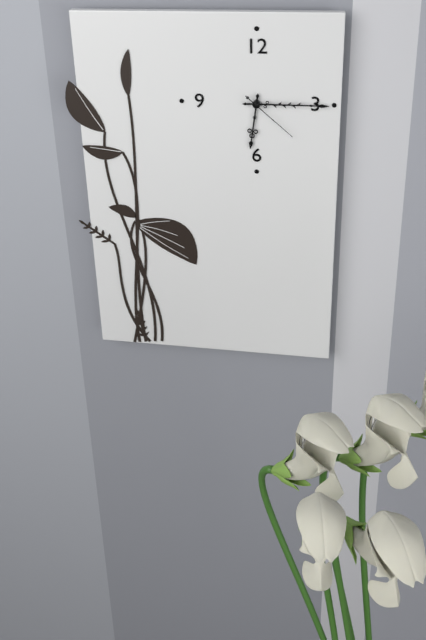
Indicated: 6:15:22
